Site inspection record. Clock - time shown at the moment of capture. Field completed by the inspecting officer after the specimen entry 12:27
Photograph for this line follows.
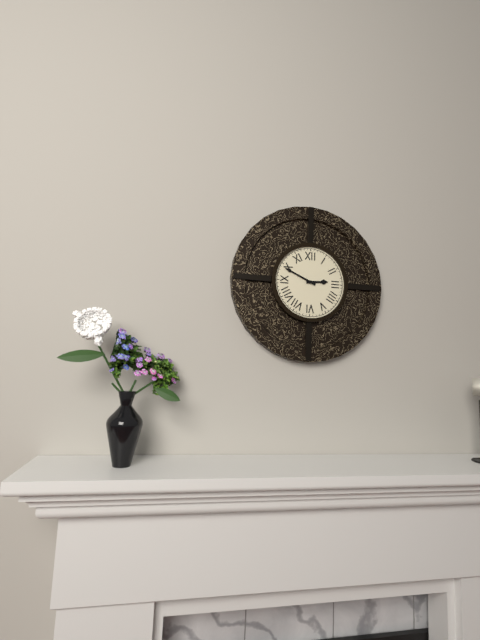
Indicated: 2:49
